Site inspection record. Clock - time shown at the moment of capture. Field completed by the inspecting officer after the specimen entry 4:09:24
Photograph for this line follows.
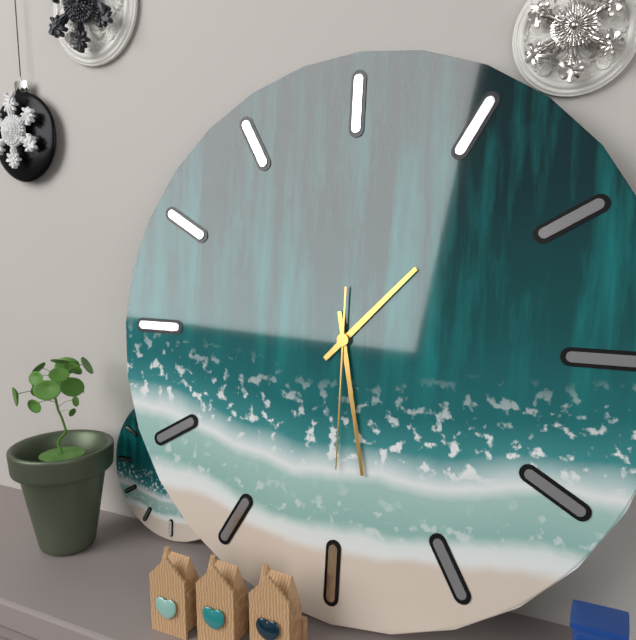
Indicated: 1:28:30
